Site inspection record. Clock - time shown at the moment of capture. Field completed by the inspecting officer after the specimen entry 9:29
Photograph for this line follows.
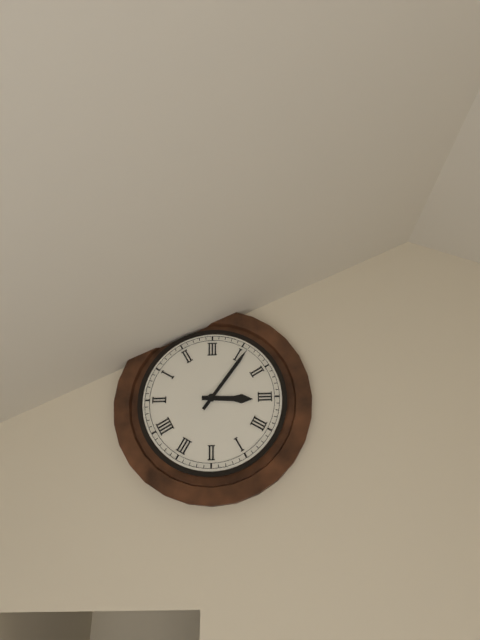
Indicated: 3:06
